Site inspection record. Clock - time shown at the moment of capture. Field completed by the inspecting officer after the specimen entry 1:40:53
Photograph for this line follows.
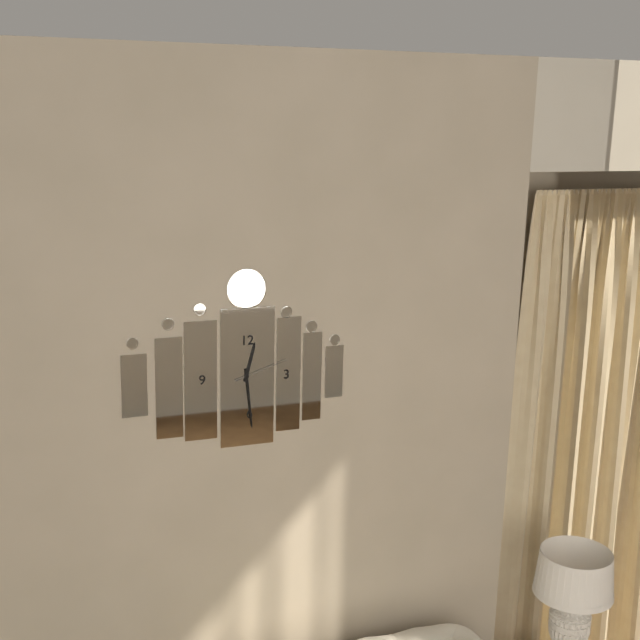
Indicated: 12:29:12
